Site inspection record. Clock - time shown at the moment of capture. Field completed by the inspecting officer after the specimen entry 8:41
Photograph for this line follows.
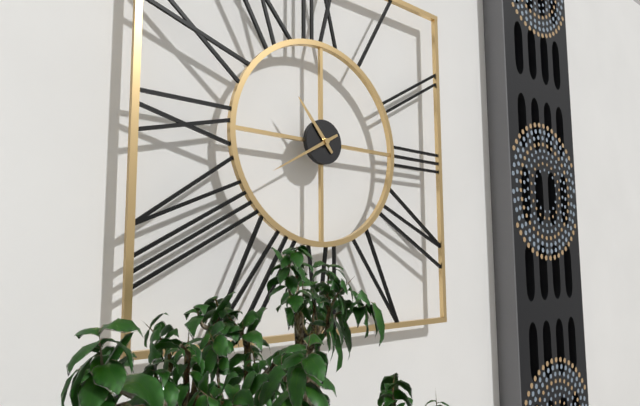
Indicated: 10:40
